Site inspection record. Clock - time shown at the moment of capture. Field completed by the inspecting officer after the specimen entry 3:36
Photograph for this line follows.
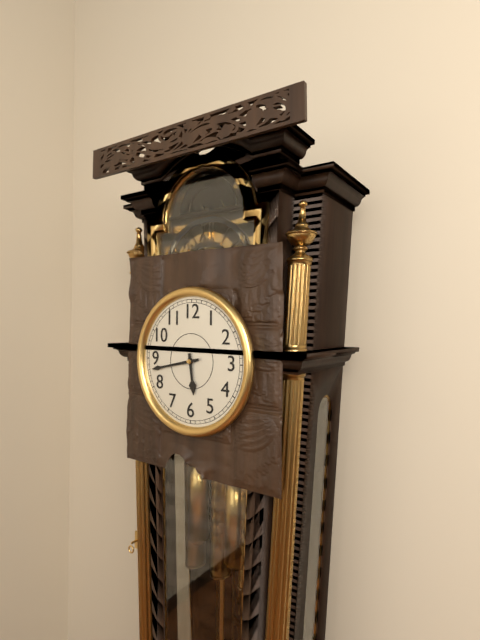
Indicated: 5:43
